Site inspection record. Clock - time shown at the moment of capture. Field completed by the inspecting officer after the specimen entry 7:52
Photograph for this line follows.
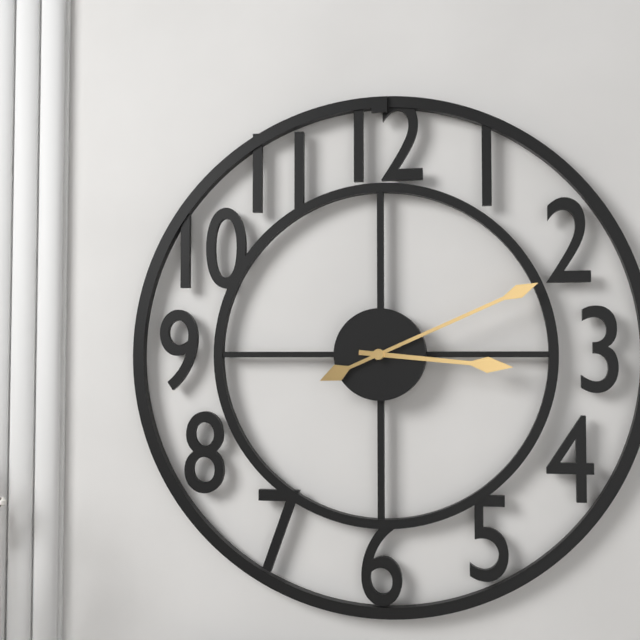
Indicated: 3:11
